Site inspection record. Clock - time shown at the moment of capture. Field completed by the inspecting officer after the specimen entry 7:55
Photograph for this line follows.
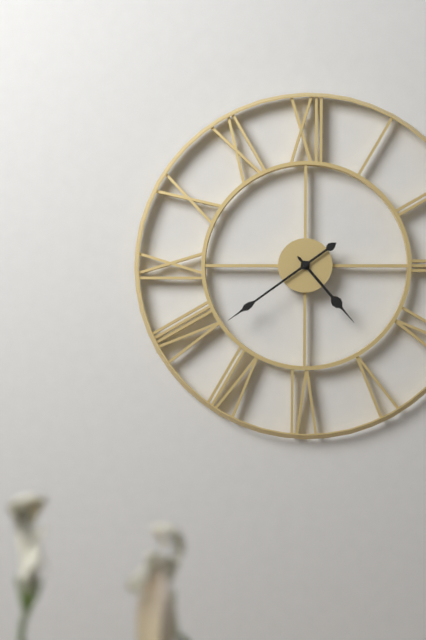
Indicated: 4:39
